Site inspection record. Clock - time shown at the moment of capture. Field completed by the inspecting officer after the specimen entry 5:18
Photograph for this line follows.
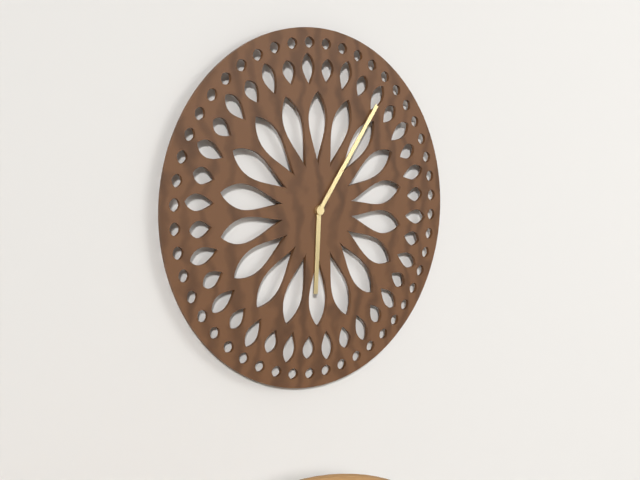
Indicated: 6:06
